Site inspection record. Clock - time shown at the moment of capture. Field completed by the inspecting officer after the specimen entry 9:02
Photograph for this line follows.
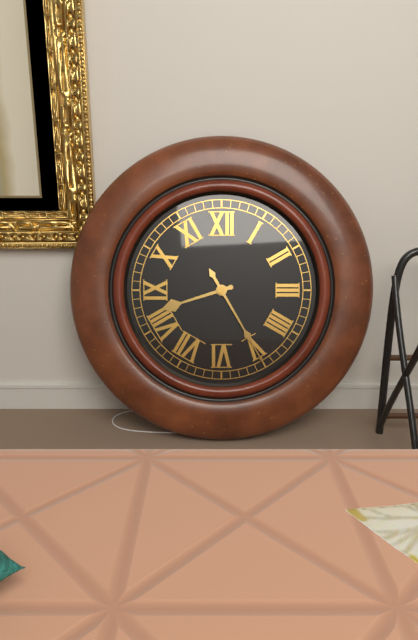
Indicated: 8:25
